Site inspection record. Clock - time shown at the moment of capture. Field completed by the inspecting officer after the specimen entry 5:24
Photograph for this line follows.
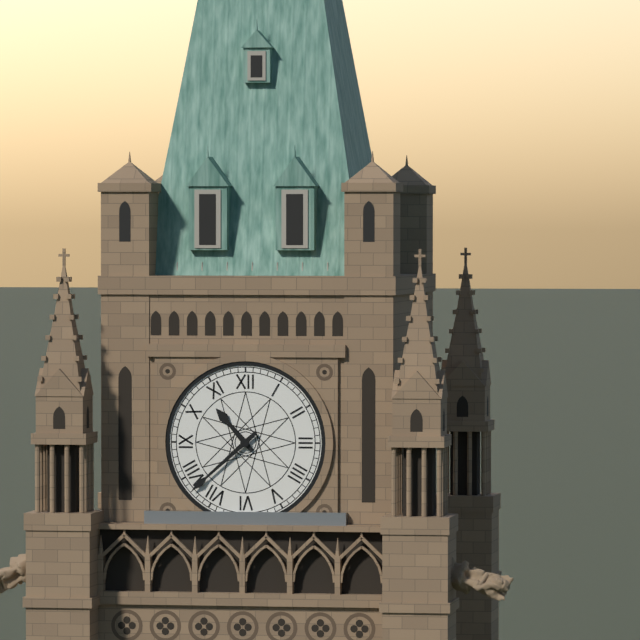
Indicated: 10:38
